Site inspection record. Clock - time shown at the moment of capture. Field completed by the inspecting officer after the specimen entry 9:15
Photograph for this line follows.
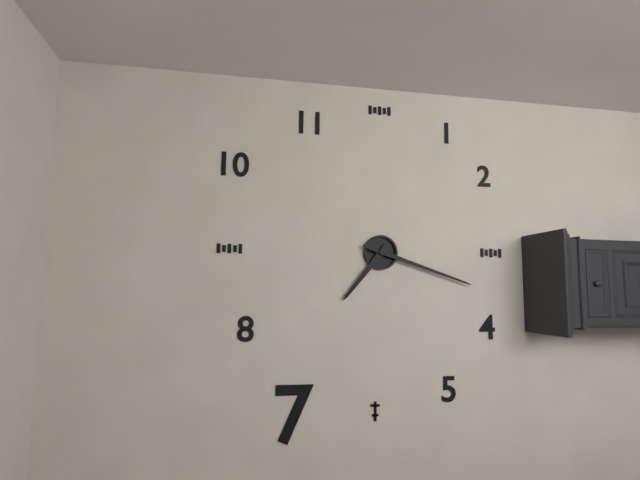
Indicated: 7:18
